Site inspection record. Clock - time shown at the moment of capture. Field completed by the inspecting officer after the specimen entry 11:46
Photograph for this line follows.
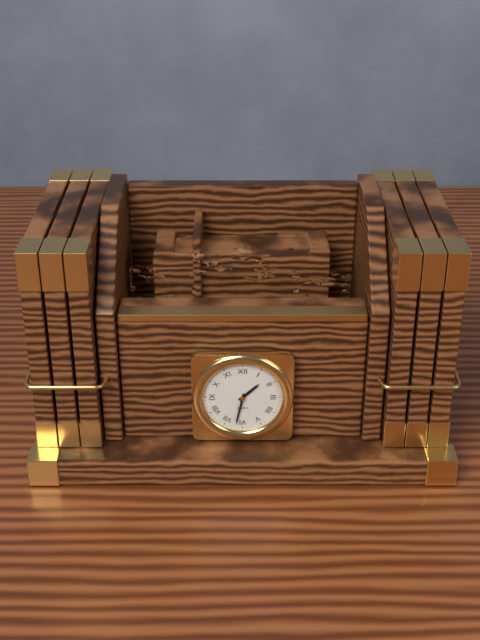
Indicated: 1:32
